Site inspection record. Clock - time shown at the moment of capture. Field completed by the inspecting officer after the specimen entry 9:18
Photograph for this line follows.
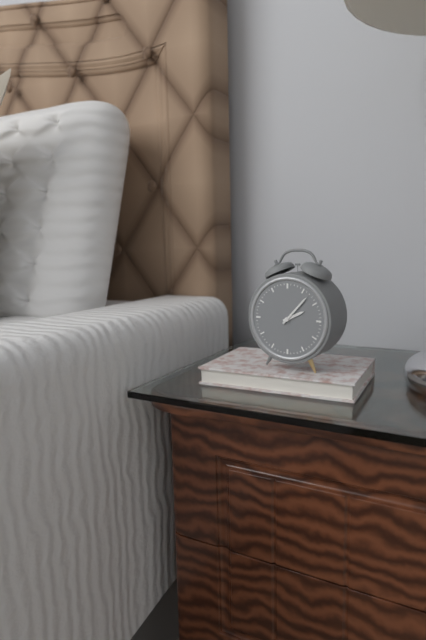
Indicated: 2:07
